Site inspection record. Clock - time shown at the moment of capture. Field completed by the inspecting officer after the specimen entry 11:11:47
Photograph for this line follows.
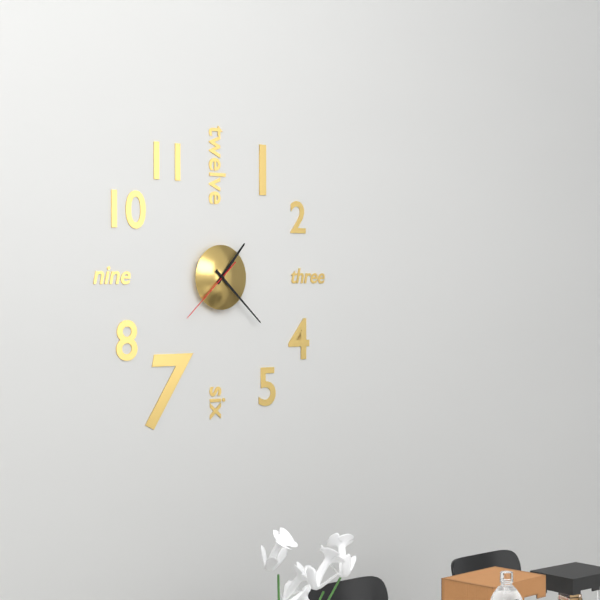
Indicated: 1:22:38
